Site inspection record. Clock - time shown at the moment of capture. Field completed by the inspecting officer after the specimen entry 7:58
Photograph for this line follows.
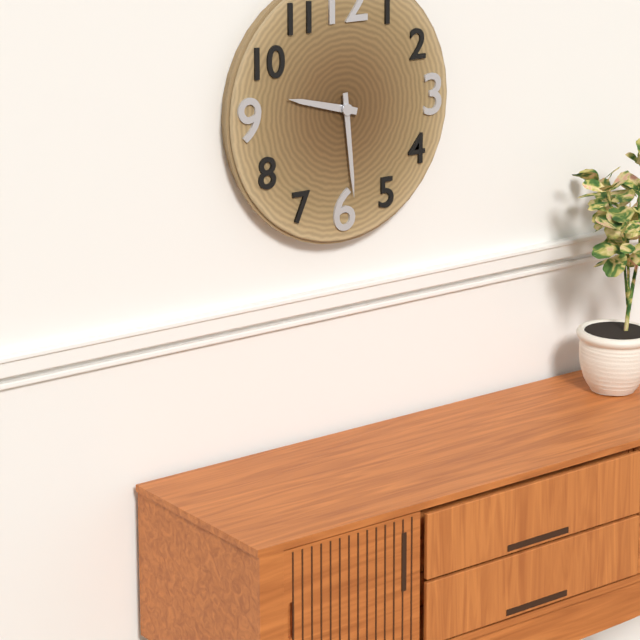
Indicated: 9:29
